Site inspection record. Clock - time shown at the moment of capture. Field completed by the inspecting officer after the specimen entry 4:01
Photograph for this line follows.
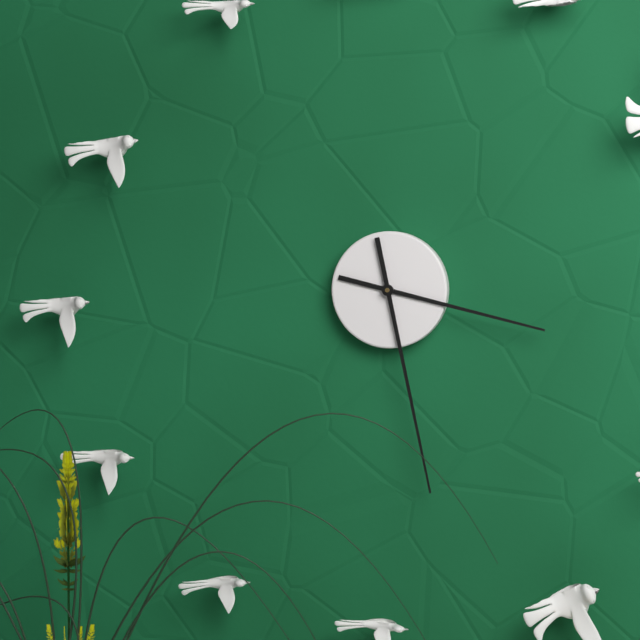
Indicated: 3:28
